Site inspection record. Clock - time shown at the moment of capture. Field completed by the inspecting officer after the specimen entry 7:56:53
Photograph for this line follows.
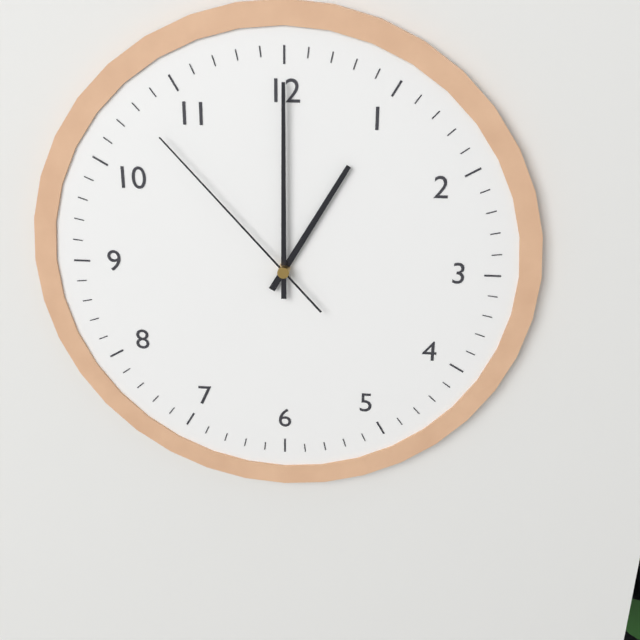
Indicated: 1:00:53
